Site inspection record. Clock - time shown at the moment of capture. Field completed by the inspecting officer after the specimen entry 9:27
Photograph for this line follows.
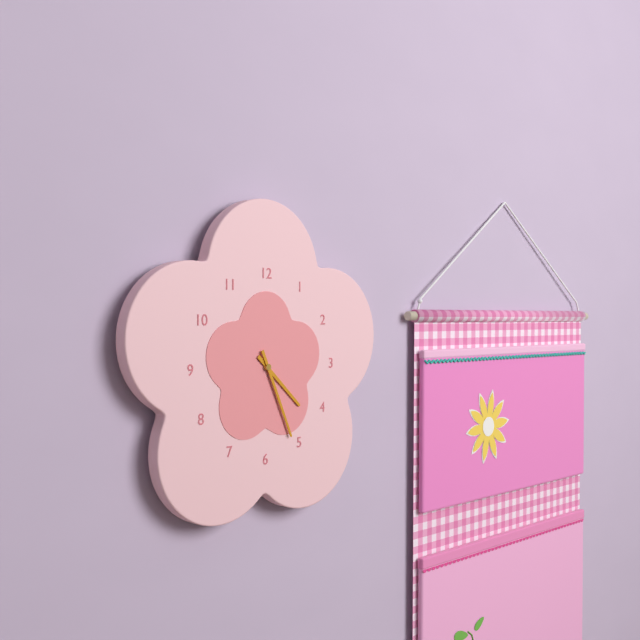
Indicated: 4:26
